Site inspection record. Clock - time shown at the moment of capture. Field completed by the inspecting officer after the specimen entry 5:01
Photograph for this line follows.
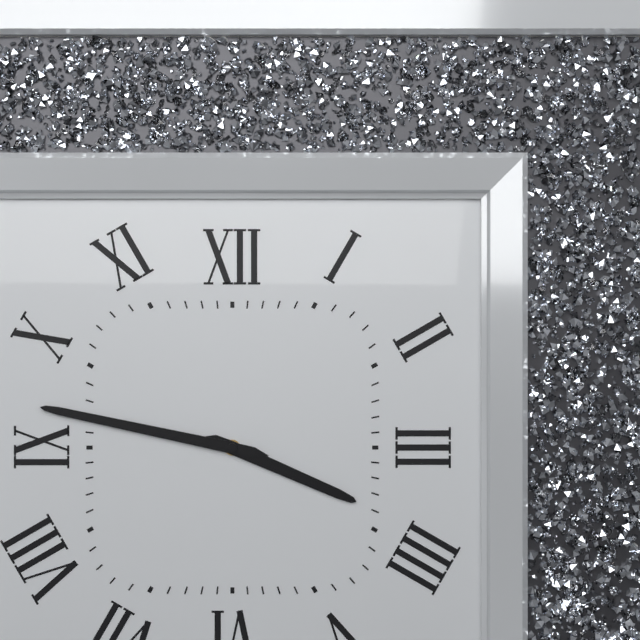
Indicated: 3:47
